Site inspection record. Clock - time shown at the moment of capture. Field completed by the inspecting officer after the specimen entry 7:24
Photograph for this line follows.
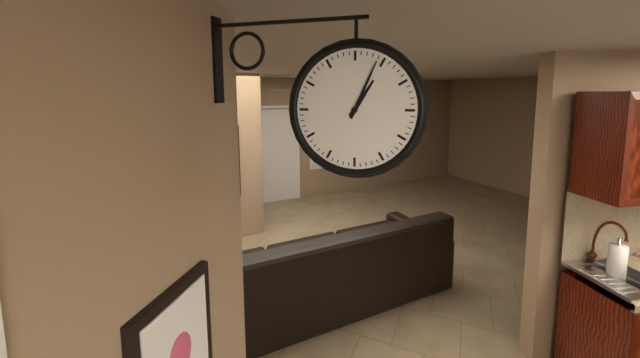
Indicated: 1:04
